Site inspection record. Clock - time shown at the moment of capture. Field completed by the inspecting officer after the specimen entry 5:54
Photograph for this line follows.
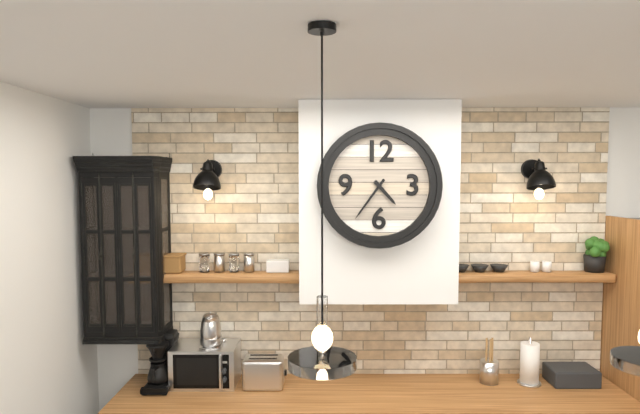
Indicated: 4:36
